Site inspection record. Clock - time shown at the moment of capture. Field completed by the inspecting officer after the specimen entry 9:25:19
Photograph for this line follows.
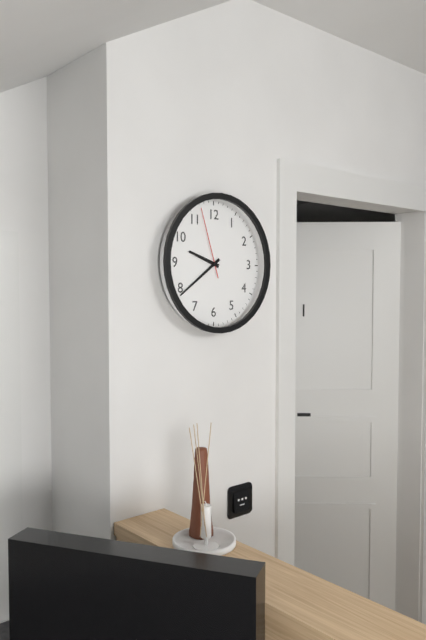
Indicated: 9:39:57
